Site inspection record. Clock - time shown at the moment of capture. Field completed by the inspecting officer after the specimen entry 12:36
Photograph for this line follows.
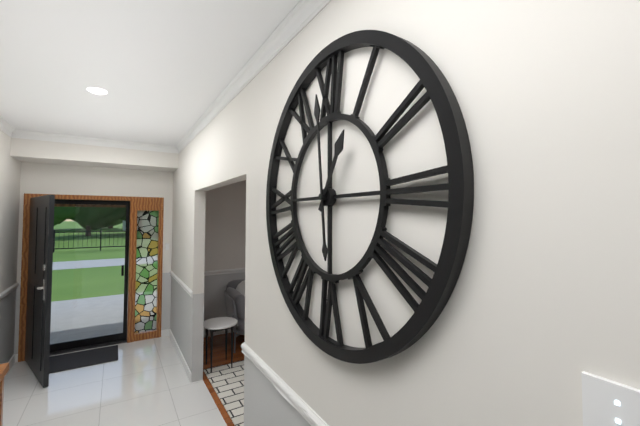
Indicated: 12:59
